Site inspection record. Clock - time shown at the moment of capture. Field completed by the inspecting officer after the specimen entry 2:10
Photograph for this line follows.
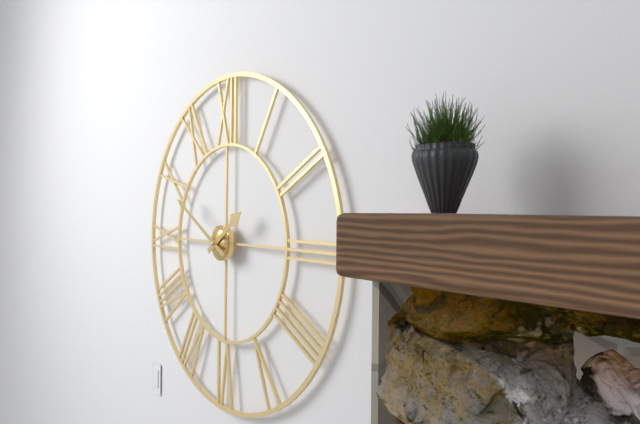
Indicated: 1:50
